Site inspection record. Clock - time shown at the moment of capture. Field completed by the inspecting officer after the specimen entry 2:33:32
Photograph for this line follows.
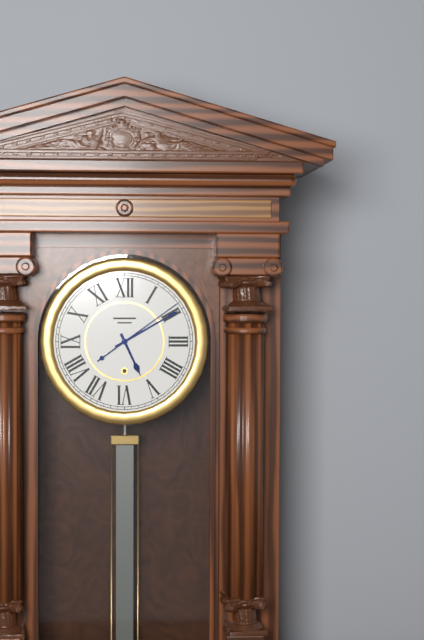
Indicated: 5:10:09
